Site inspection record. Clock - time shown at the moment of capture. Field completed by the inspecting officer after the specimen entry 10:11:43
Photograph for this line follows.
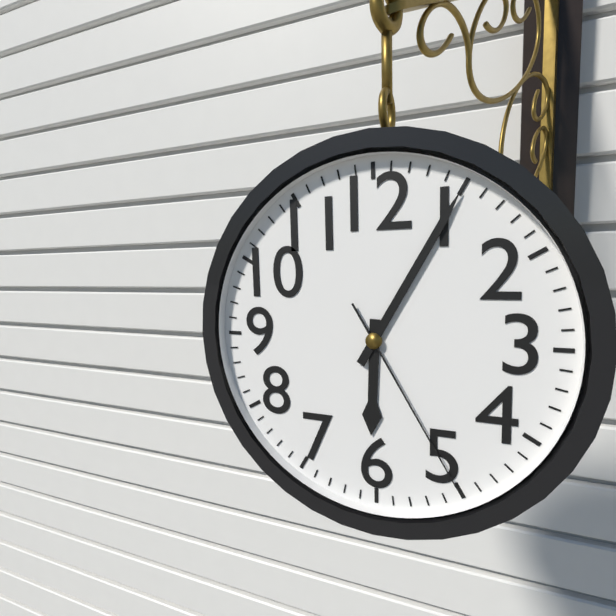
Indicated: 6:05:25
